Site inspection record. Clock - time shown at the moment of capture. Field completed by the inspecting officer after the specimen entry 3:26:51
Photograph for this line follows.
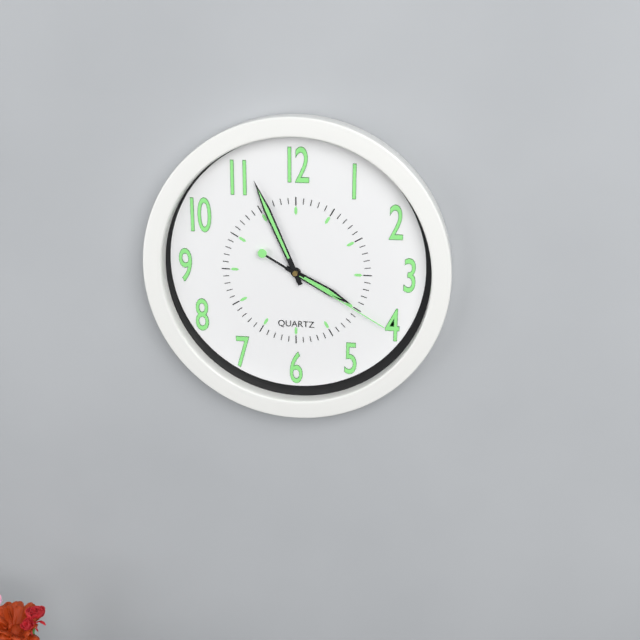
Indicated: 3:56:20
